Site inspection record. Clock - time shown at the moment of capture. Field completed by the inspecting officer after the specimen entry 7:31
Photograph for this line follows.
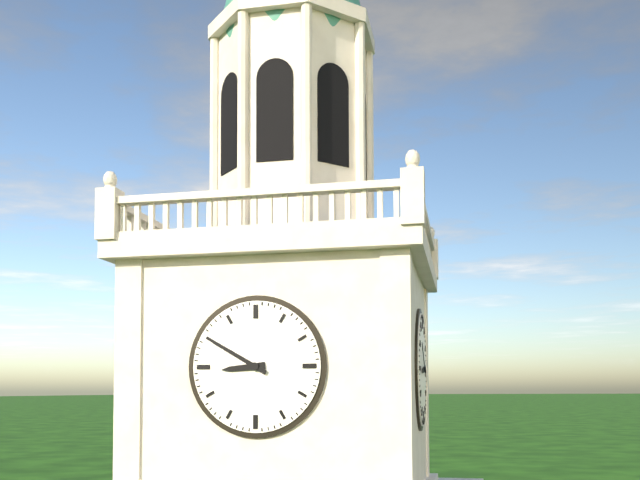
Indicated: 8:50
